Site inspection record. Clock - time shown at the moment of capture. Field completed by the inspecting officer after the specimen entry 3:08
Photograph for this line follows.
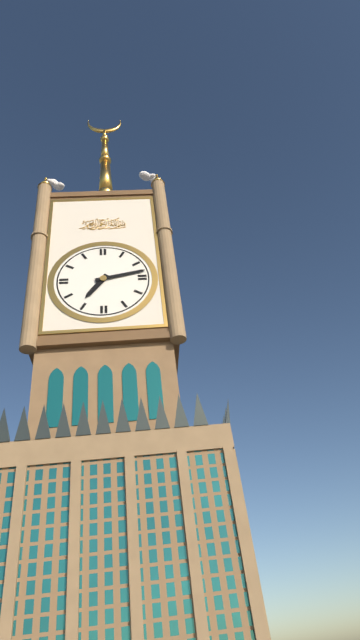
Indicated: 7:13
